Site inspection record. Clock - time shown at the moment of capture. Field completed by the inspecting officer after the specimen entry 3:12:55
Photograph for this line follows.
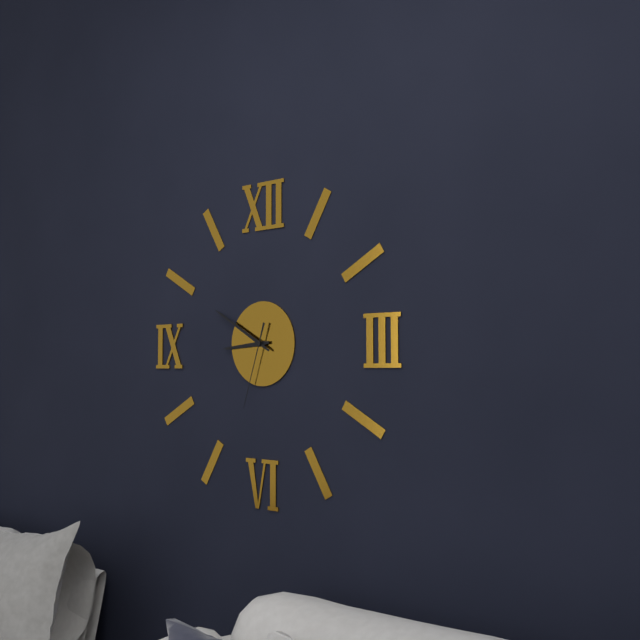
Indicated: 8:50:33
